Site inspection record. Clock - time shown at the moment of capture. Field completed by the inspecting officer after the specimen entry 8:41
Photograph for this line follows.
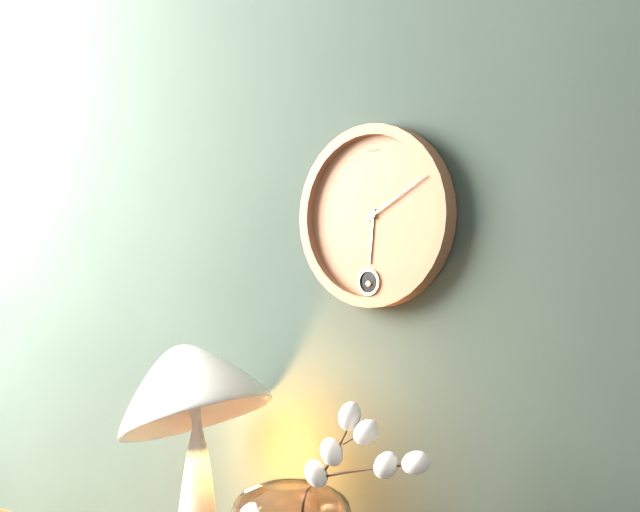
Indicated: 6:10
